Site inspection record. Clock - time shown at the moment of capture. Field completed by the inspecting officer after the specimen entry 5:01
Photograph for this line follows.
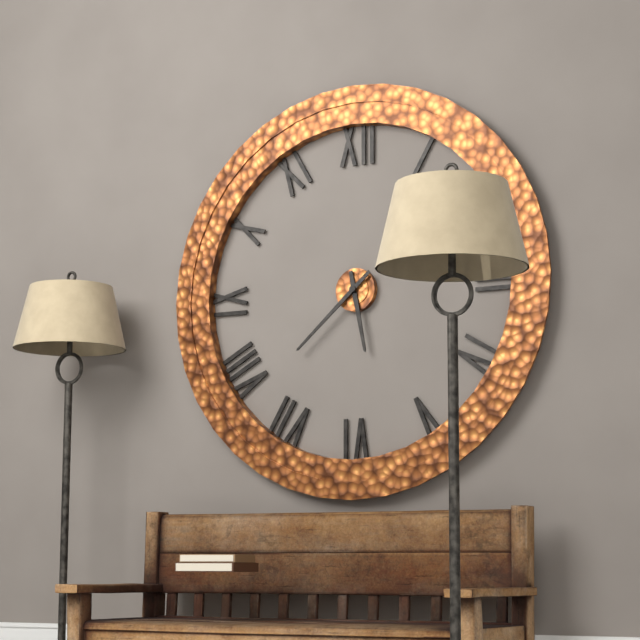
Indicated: 5:38
